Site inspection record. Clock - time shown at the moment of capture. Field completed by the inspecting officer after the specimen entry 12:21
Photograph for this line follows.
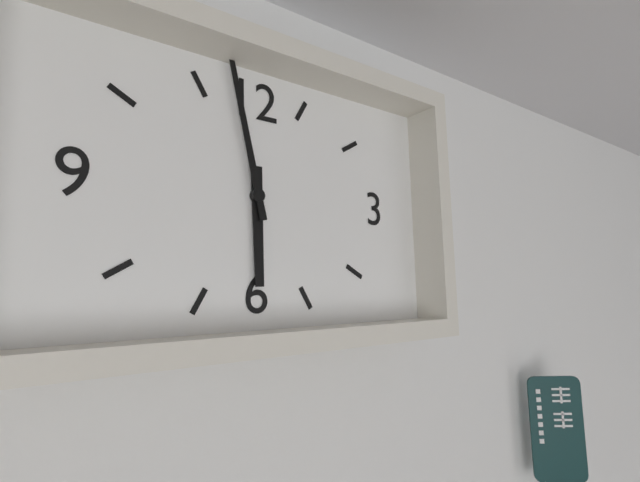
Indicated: 5:58
